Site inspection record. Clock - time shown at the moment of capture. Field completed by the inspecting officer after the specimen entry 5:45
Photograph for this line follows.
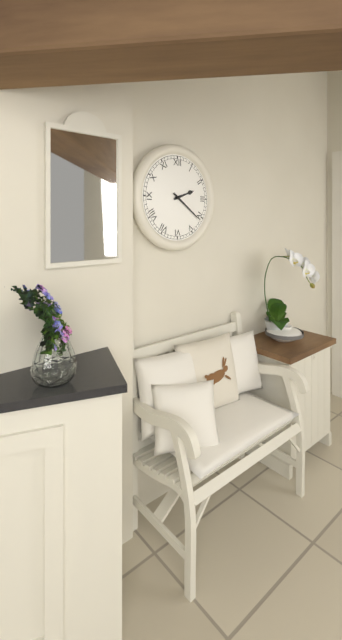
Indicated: 2:21
